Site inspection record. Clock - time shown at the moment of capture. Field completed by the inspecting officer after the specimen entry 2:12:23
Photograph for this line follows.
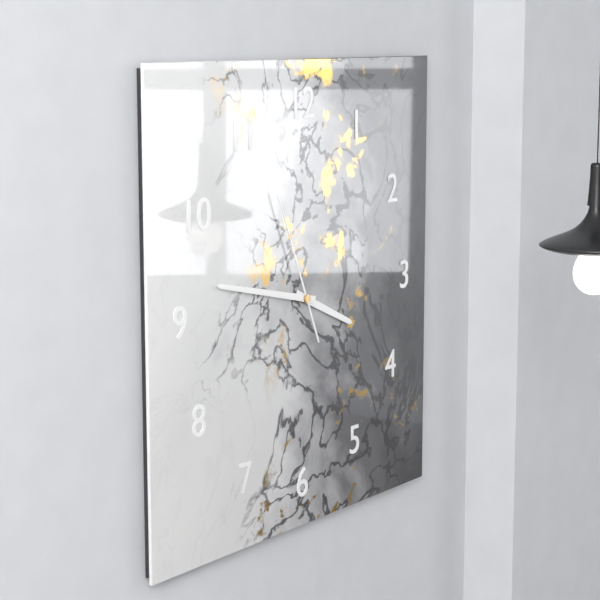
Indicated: 3:47:56
